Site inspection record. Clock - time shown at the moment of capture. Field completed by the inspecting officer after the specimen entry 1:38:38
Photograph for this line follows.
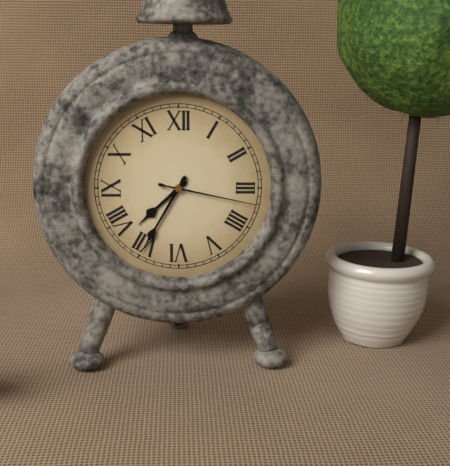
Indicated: 7:35:17
